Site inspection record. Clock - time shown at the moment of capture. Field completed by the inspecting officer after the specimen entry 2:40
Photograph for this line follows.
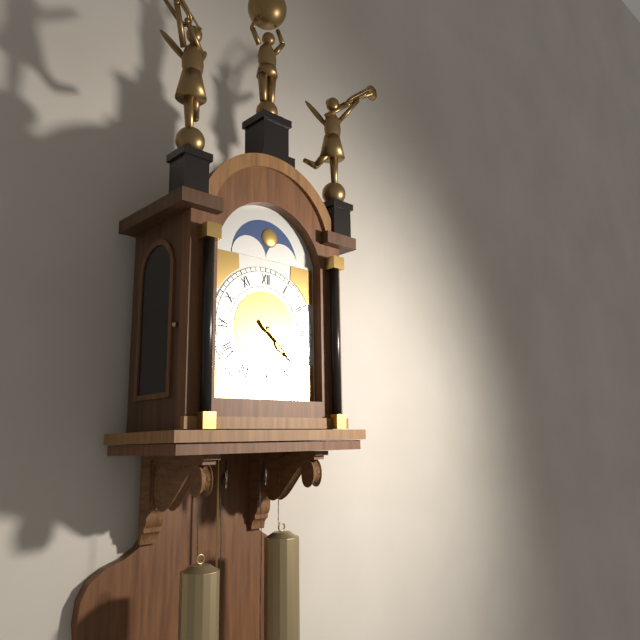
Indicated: 4:22
